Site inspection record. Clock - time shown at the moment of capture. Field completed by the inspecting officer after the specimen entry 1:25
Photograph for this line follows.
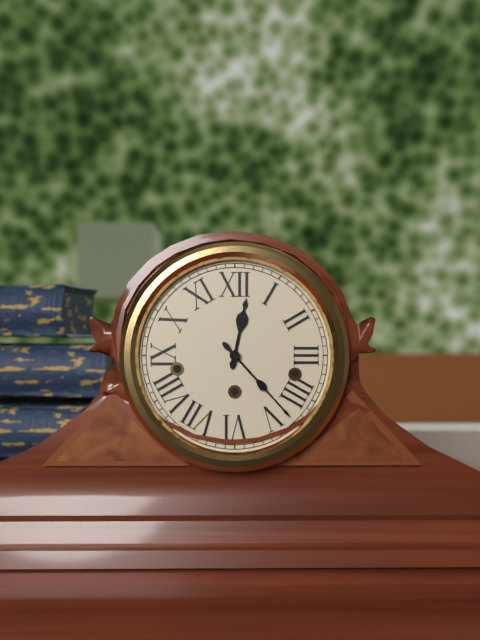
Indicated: 12:23
